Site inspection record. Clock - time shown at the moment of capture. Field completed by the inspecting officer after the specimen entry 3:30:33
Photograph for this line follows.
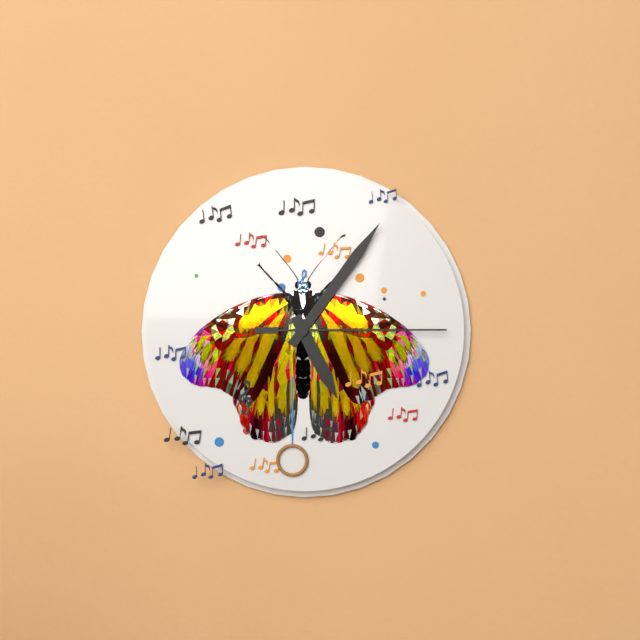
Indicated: 5:06:15
